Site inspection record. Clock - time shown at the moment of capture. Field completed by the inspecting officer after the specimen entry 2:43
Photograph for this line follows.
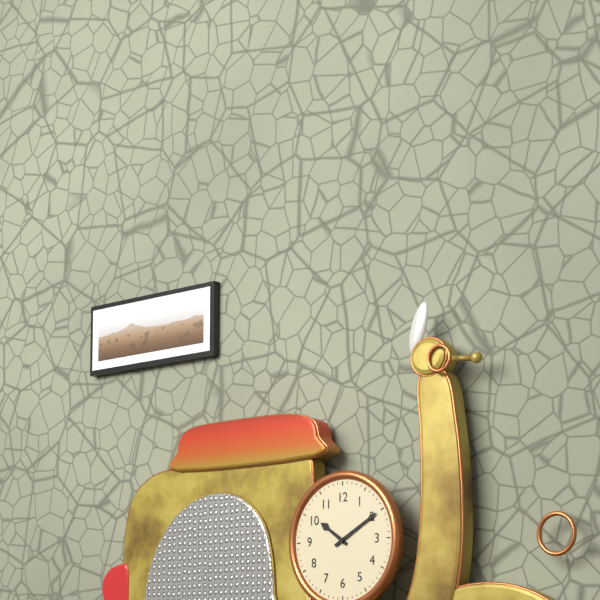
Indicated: 10:10
